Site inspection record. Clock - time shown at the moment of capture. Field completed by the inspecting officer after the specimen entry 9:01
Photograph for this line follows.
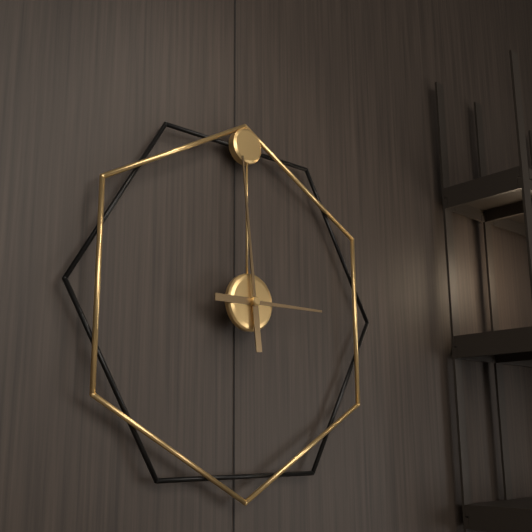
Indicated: 2:59
